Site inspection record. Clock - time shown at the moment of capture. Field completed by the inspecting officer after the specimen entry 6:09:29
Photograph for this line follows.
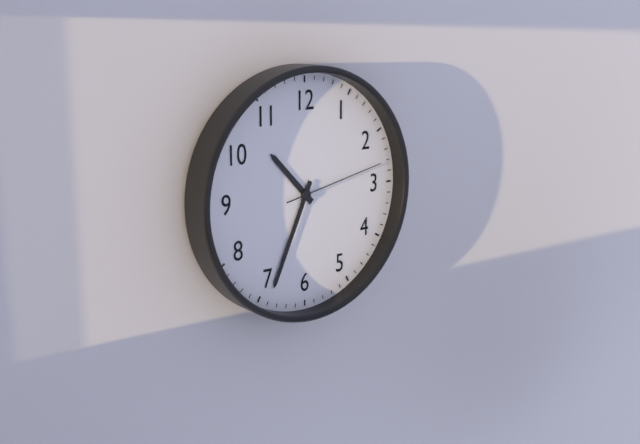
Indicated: 10:34:13
